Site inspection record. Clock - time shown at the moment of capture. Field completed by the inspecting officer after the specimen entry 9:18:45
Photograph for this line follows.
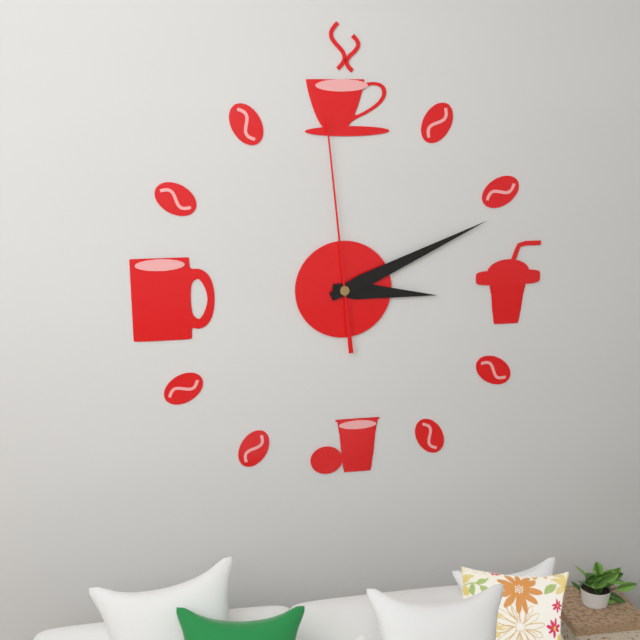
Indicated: 3:11:59
